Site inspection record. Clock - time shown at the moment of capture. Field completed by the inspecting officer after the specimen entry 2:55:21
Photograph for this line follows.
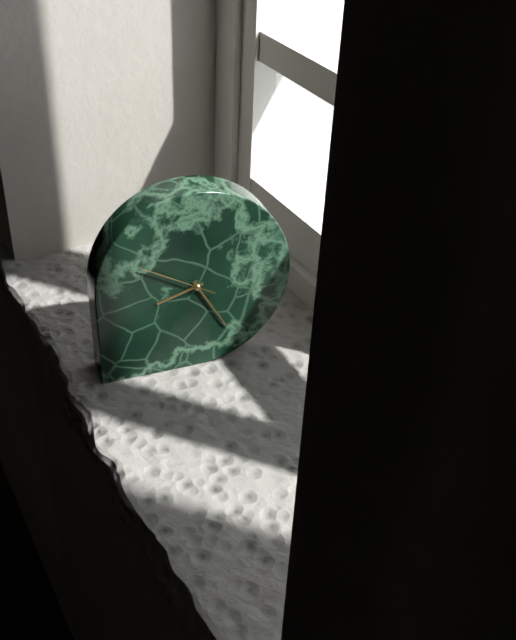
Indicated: 8:25:50
